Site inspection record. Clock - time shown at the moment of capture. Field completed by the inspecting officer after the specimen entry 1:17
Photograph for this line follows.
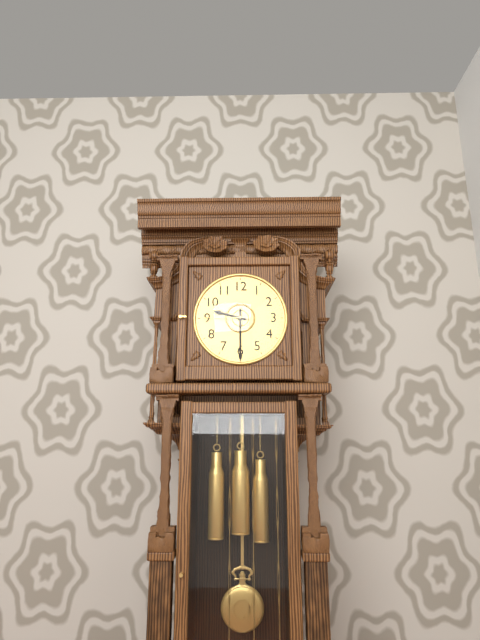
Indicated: 9:30
